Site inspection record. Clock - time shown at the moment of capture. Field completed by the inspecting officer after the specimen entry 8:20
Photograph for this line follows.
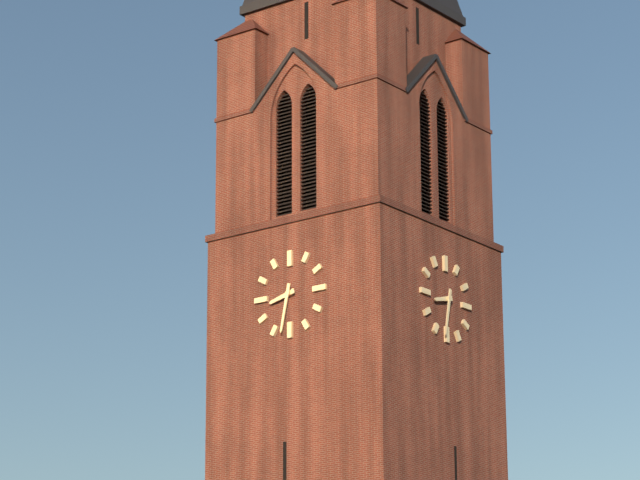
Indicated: 8:32
